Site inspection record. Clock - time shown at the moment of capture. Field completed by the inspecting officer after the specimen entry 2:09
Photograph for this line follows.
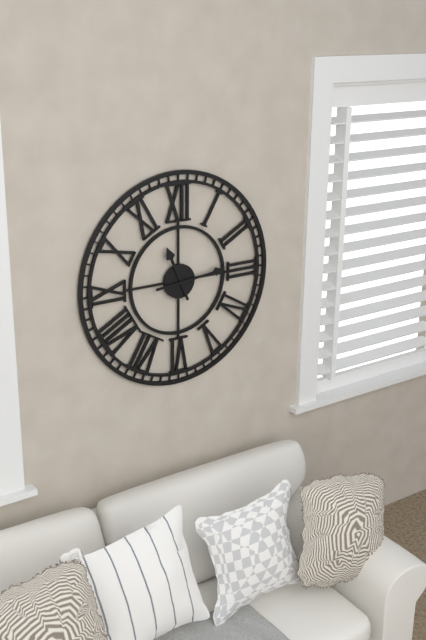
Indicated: 11:14
